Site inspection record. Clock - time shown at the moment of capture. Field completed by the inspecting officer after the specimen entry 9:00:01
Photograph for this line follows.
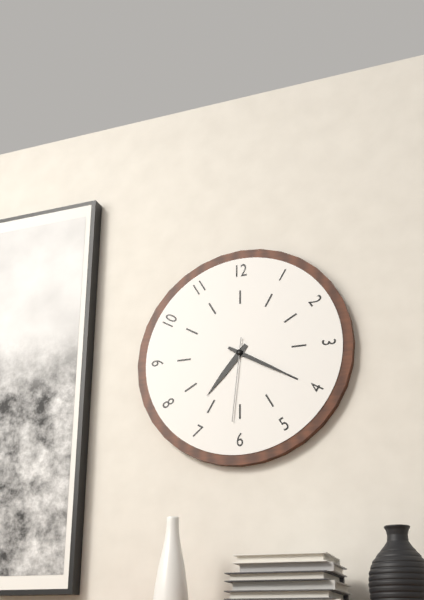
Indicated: 7:20:31
